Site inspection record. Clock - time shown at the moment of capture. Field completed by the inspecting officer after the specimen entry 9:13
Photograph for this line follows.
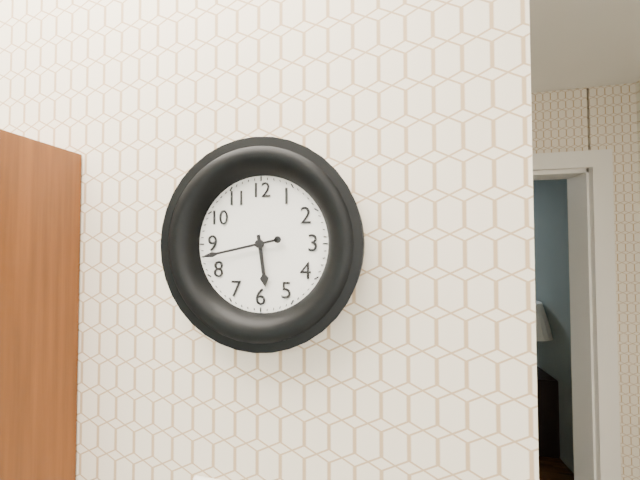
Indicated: 5:43
